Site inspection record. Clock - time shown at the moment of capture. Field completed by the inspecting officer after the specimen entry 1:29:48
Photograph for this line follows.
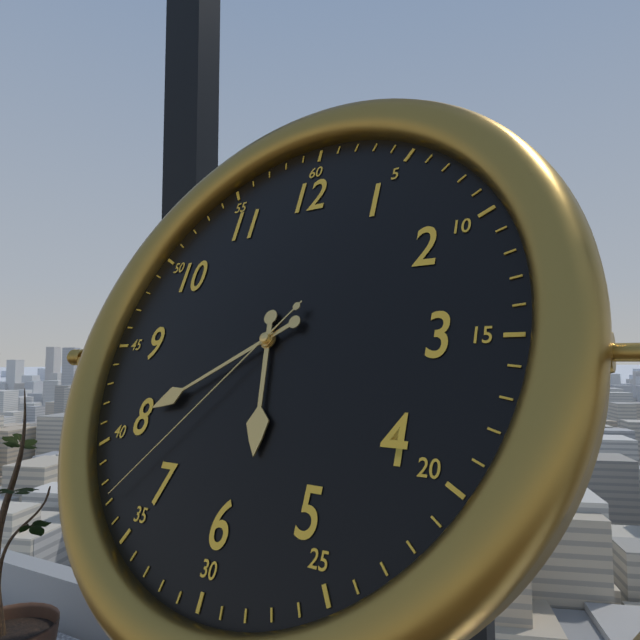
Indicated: 5:40:37
